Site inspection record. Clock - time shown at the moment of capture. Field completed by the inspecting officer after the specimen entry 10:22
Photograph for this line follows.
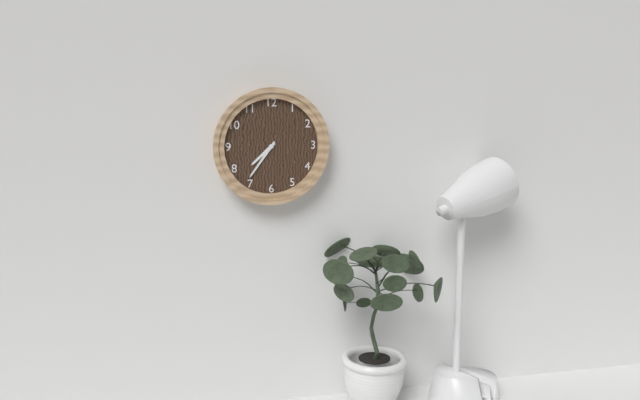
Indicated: 7:36
